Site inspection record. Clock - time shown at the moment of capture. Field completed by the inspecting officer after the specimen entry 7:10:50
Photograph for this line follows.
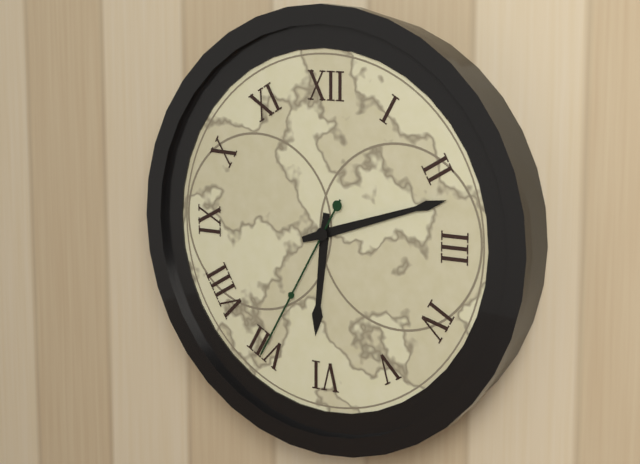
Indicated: 6:12:35
